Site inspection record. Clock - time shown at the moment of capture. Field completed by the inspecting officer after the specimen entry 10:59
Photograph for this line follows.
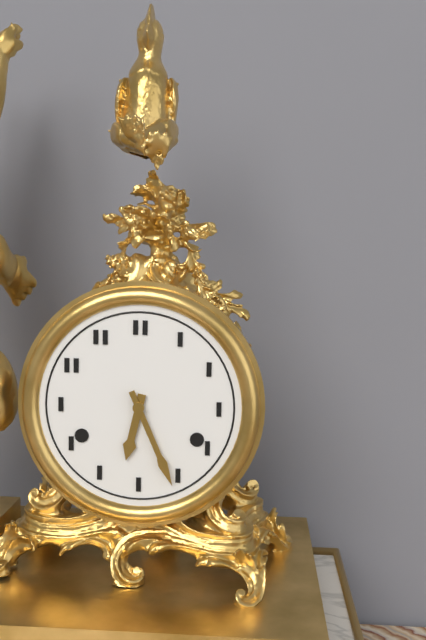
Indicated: 6:26
